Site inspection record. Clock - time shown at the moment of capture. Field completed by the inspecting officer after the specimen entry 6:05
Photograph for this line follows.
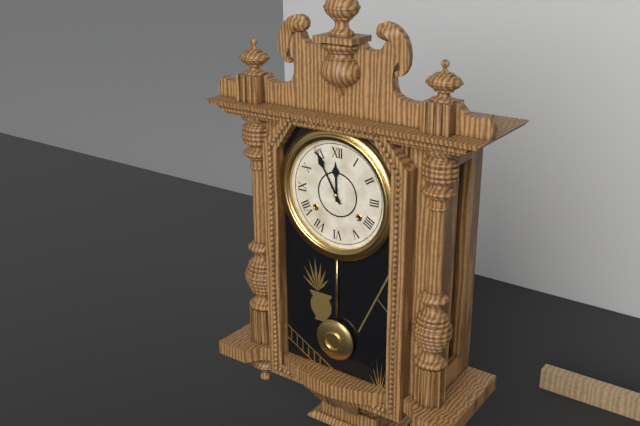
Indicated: 11:55
